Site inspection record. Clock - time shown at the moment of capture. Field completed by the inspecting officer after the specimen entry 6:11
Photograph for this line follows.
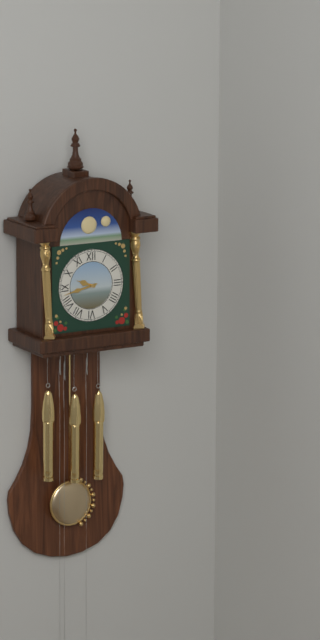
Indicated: 9:43
